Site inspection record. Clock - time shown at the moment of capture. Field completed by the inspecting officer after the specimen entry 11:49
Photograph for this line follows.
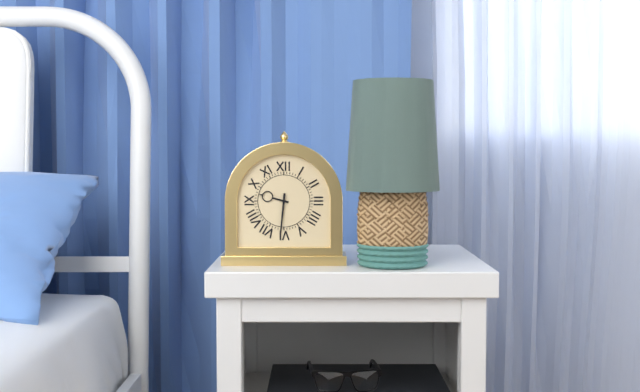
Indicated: 9:31
